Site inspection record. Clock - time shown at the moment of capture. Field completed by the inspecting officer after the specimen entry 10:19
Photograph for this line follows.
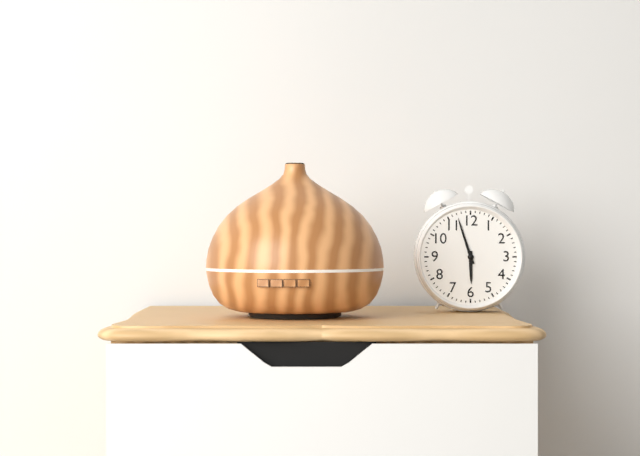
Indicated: 5:57
